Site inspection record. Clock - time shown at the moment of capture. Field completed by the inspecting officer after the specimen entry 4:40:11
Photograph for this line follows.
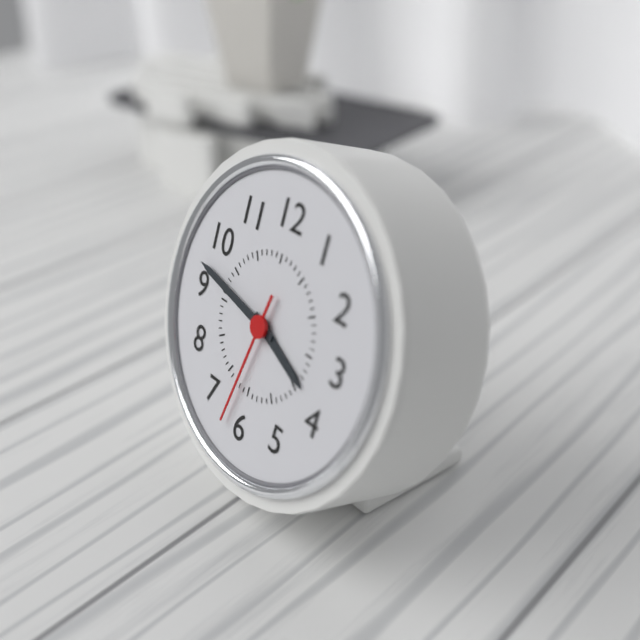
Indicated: 3:47:32
